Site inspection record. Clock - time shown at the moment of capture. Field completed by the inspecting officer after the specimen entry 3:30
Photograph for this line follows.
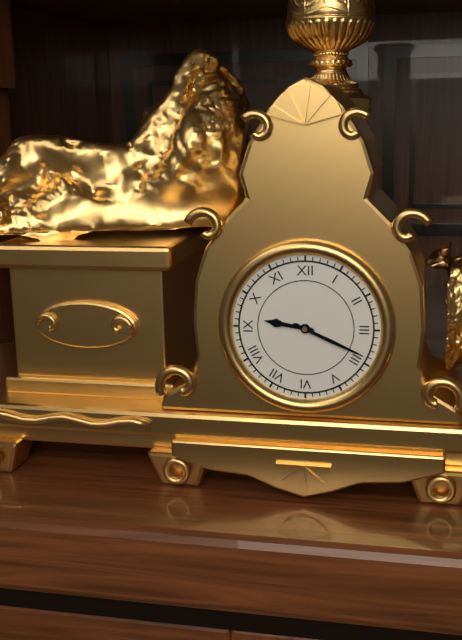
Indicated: 9:19
